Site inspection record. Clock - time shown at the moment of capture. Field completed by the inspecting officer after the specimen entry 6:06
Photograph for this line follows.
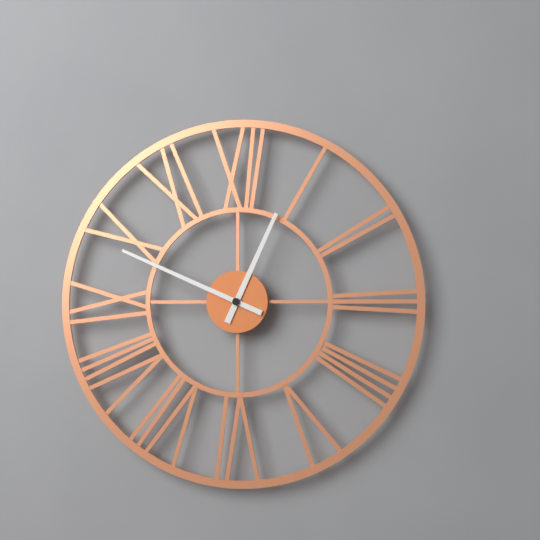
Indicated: 12:49
